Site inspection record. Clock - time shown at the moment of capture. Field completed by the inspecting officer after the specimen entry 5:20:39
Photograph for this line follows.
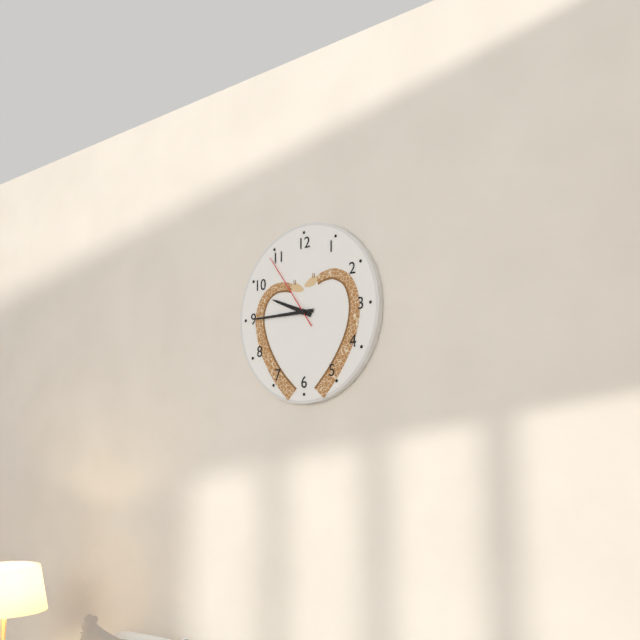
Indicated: 9:45:54
